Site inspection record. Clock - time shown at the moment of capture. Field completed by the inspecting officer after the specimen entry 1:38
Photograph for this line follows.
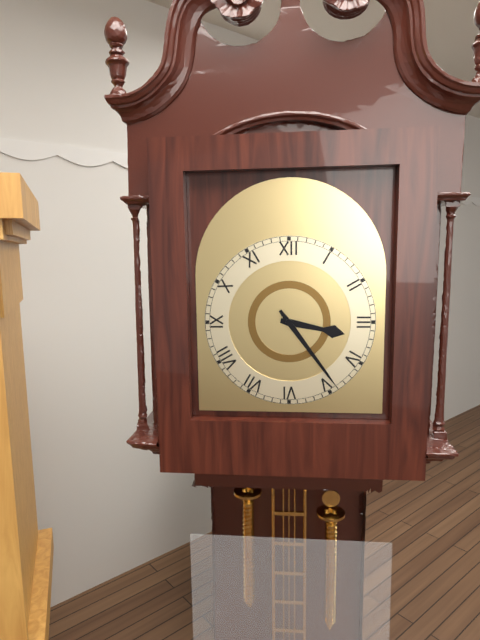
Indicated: 3:24
